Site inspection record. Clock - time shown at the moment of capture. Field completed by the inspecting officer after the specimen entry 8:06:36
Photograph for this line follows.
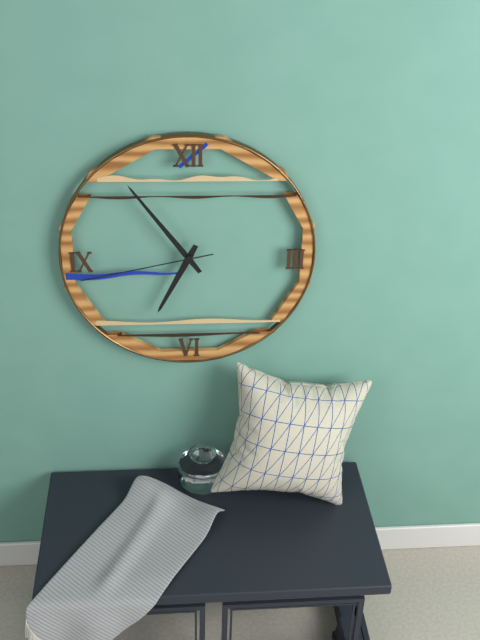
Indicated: 6:54:43
